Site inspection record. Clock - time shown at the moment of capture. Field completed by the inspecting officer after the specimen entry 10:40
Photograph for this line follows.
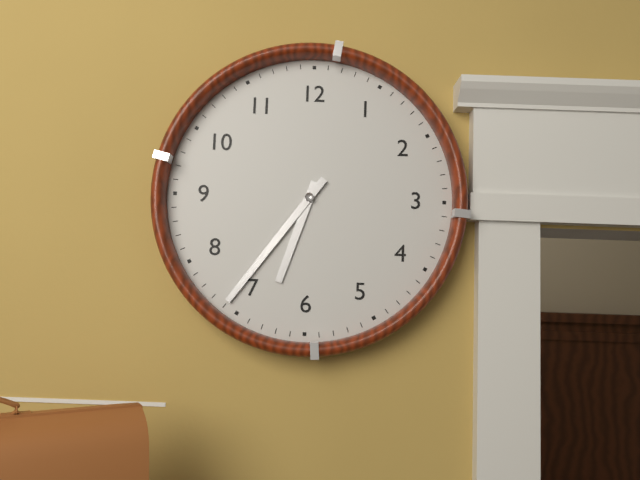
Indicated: 6:36
